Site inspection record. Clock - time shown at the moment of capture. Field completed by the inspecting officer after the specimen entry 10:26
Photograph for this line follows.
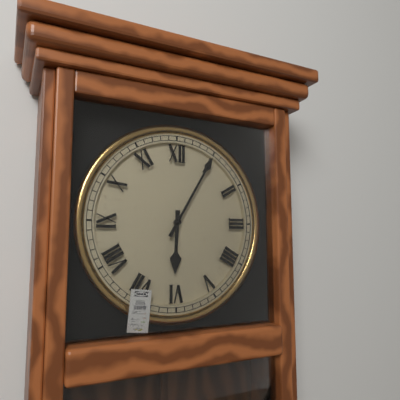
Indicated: 6:05
